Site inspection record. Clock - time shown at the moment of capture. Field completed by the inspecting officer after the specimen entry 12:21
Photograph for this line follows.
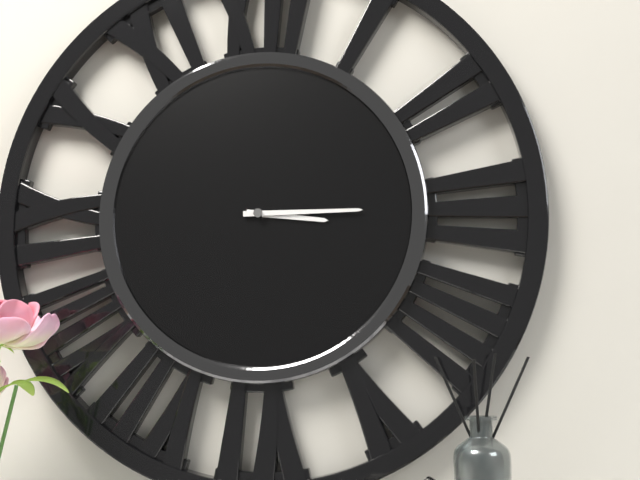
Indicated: 3:15
